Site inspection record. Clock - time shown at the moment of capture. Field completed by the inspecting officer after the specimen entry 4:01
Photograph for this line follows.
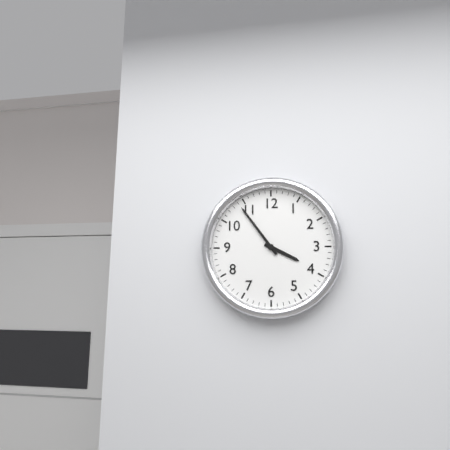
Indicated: 3:54
